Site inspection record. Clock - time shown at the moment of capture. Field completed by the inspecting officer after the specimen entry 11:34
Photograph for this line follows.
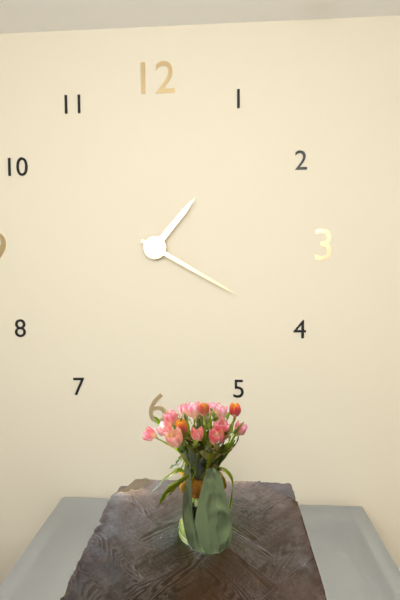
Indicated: 1:20
